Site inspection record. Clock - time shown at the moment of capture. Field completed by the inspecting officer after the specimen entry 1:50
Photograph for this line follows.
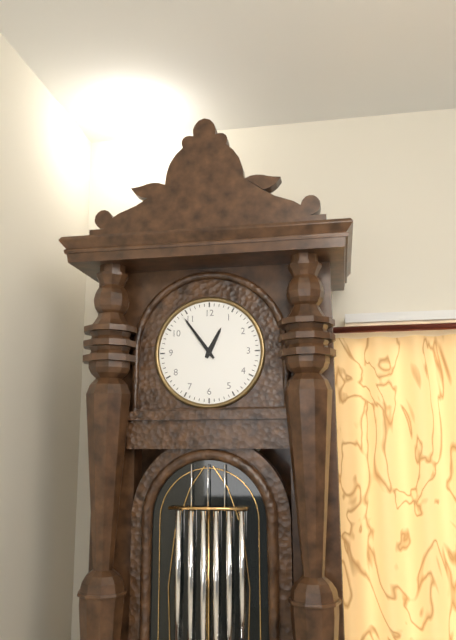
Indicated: 12:54
